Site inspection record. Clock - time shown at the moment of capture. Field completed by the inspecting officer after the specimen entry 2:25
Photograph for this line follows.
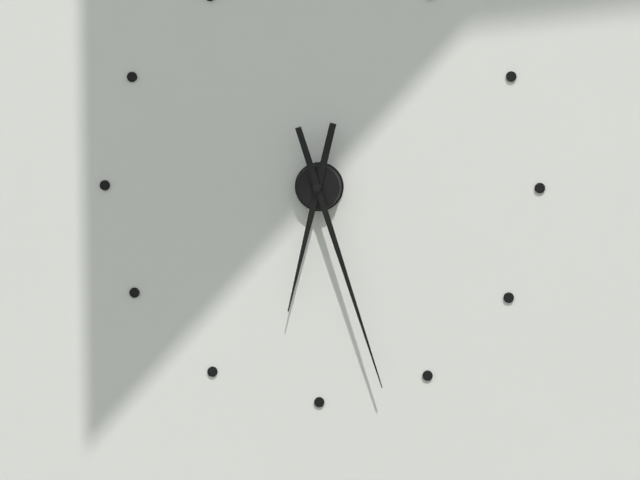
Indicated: 6:27
